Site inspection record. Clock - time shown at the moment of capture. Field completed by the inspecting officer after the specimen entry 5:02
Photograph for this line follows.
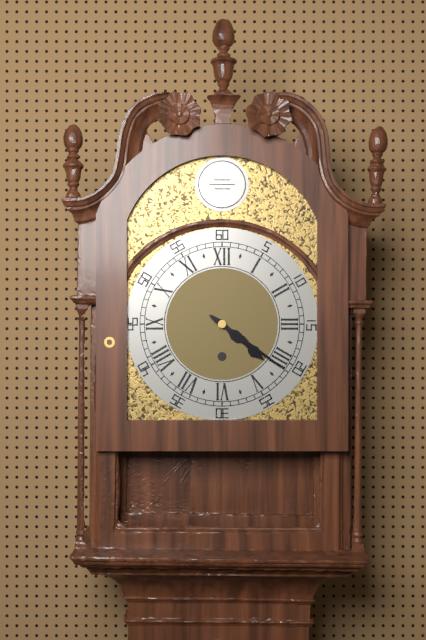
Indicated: 4:21
